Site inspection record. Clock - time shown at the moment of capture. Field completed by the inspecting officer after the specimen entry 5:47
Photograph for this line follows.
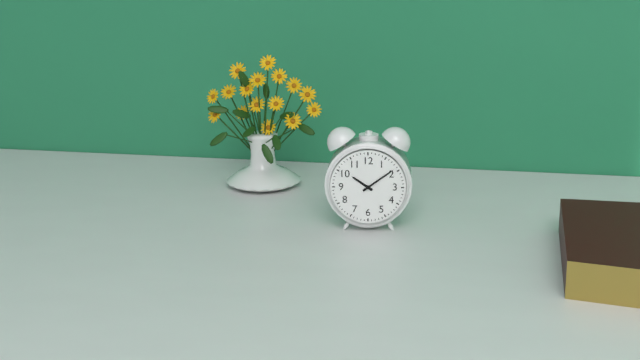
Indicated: 10:09
